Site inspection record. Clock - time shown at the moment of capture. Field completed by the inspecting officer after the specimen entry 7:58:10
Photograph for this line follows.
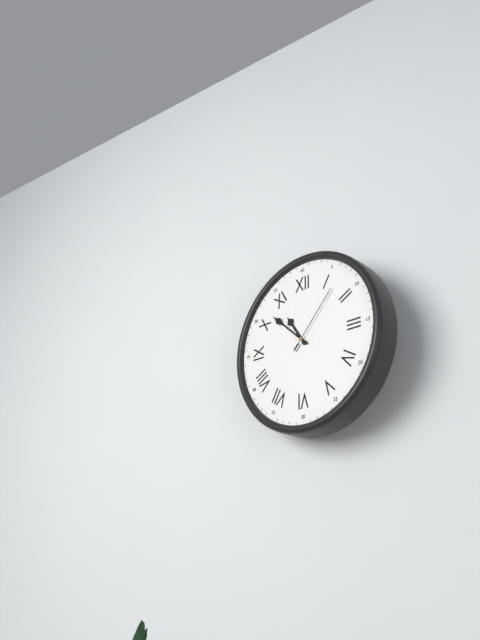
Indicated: 10:52:07
